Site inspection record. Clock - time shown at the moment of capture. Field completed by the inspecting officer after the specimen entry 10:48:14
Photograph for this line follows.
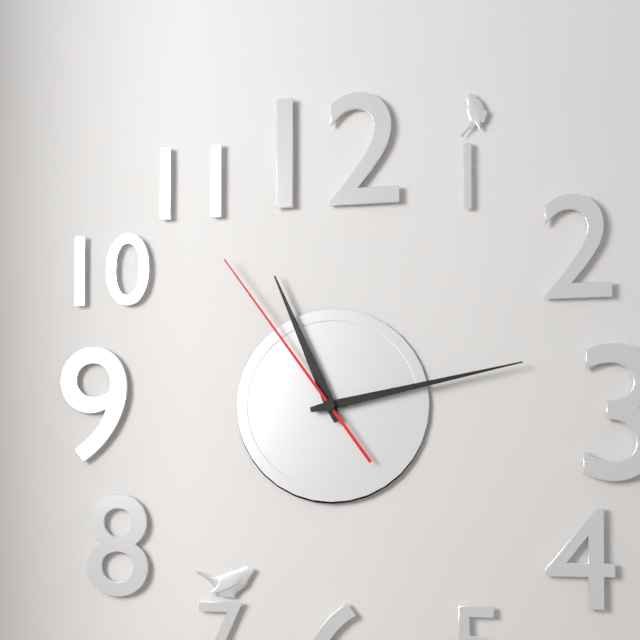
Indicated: 11:13:54
